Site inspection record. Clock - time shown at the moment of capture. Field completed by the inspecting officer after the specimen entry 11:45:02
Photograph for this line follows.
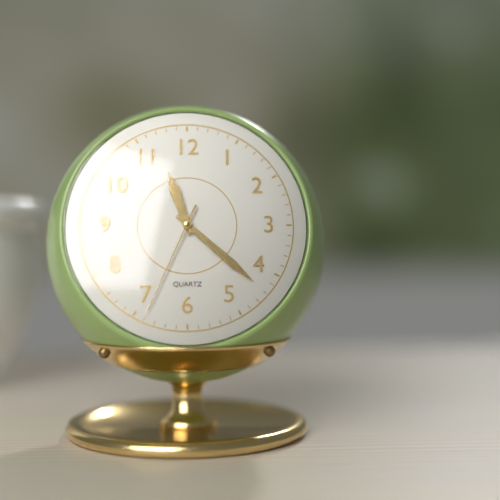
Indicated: 11:22:34
